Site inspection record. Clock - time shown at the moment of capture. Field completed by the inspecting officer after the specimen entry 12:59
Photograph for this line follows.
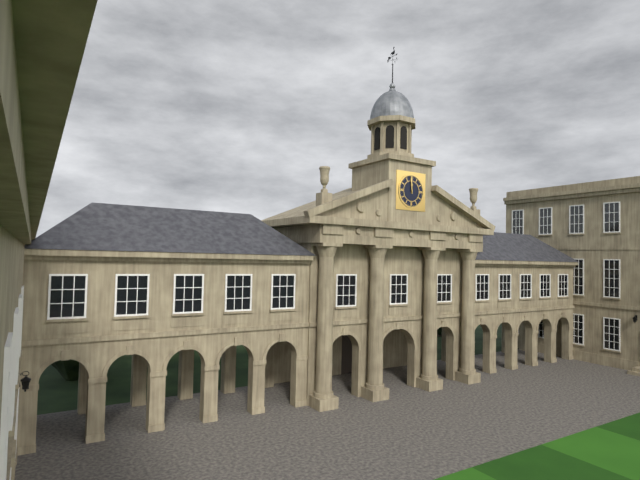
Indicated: 11:59
